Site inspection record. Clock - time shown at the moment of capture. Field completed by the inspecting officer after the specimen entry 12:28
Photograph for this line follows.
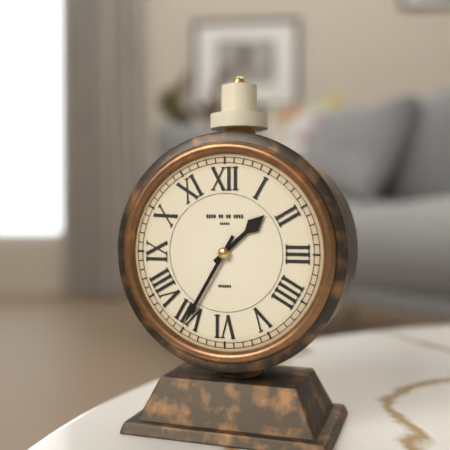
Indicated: 1:35
